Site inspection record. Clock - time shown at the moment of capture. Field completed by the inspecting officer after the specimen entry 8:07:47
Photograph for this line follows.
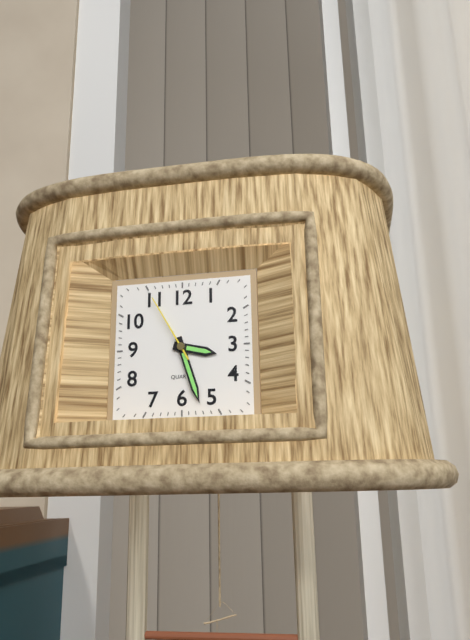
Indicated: 3:27:55
